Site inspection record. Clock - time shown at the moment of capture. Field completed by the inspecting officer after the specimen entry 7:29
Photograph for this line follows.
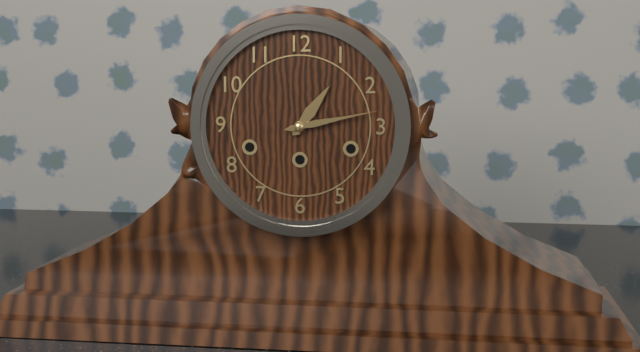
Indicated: 1:13
